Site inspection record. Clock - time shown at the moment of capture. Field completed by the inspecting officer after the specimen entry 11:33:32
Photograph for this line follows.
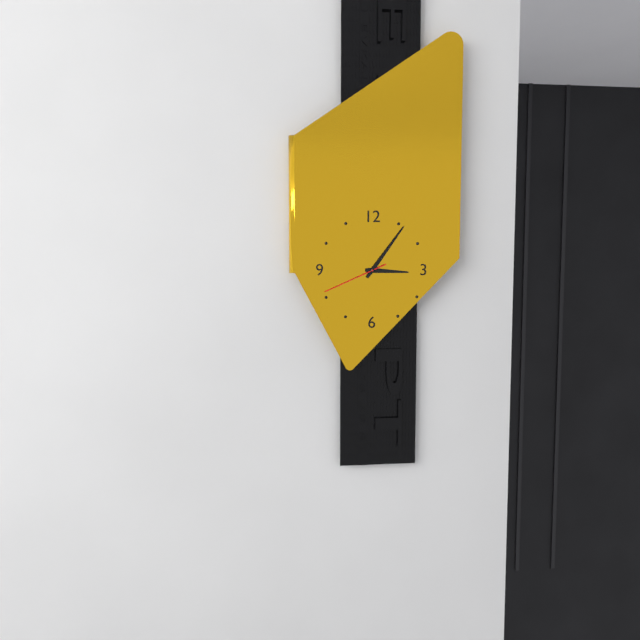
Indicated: 3:06:41
